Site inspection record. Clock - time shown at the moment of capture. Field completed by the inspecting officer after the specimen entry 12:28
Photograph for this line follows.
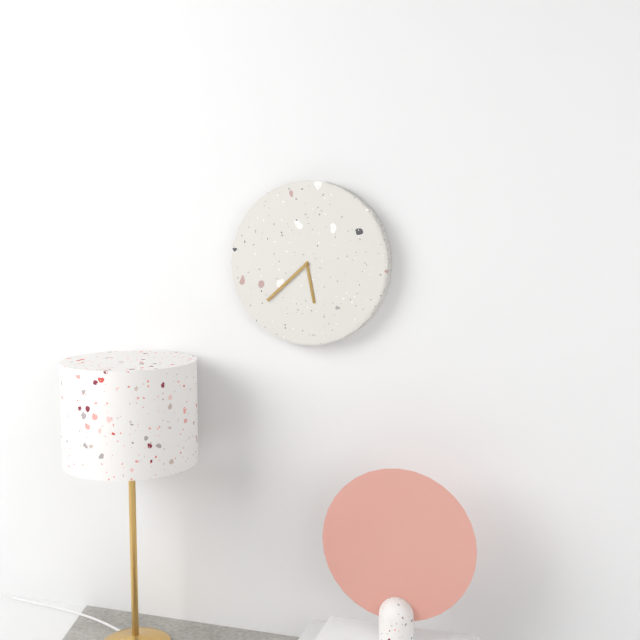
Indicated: 5:38
